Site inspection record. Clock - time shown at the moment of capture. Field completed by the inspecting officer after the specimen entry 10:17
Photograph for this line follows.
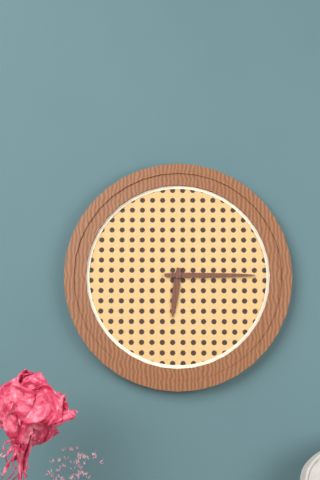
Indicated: 6:15
